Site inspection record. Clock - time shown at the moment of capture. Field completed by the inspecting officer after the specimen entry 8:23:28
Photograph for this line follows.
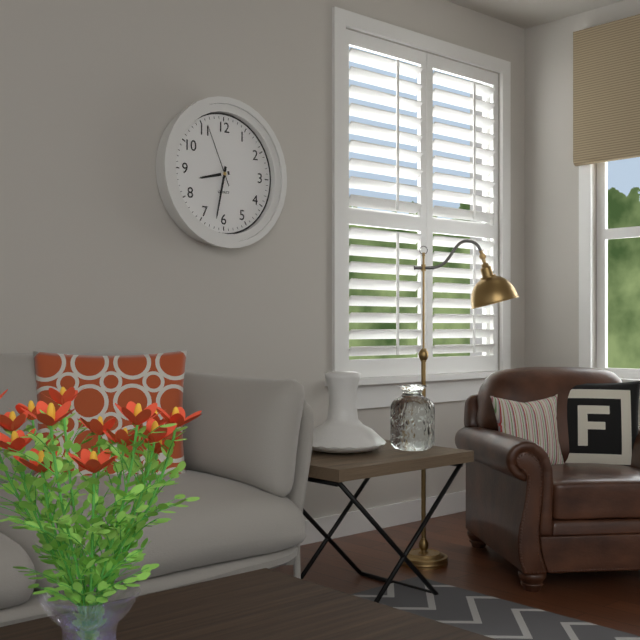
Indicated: 8:32:56
